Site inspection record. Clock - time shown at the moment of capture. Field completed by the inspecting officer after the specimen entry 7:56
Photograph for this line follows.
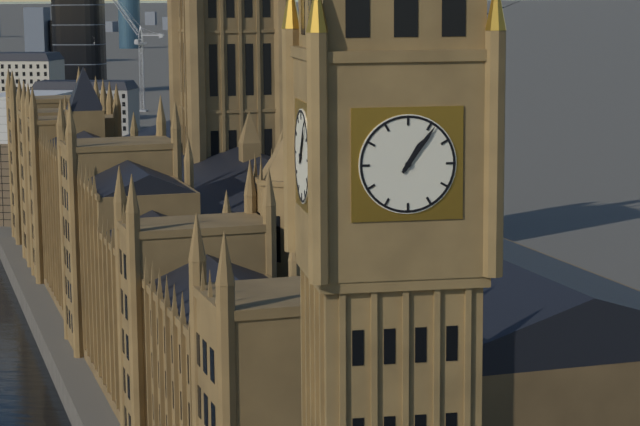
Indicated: 1:06
